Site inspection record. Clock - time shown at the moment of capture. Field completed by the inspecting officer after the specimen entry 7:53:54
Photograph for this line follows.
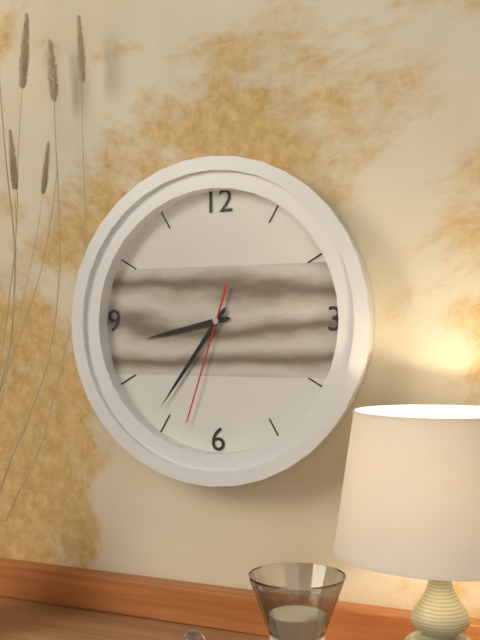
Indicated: 8:36:33
